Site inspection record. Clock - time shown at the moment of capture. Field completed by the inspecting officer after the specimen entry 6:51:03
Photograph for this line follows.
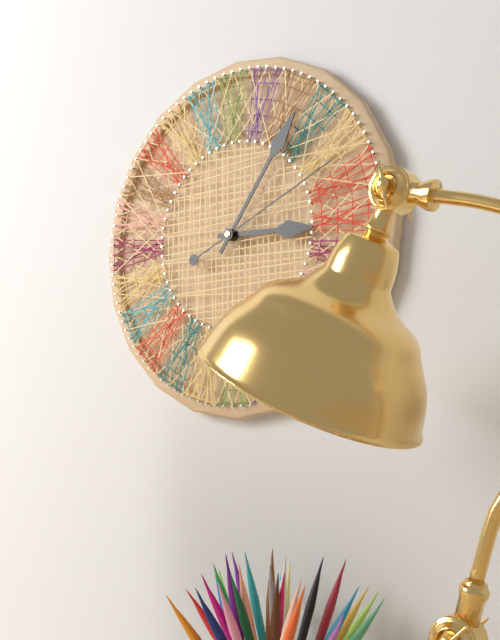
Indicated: 3:06:11
